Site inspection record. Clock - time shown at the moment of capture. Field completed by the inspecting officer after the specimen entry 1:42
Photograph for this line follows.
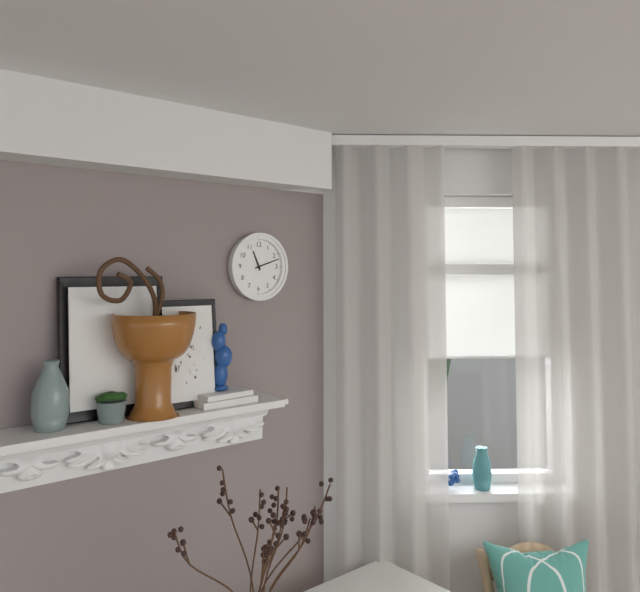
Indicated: 11:12
